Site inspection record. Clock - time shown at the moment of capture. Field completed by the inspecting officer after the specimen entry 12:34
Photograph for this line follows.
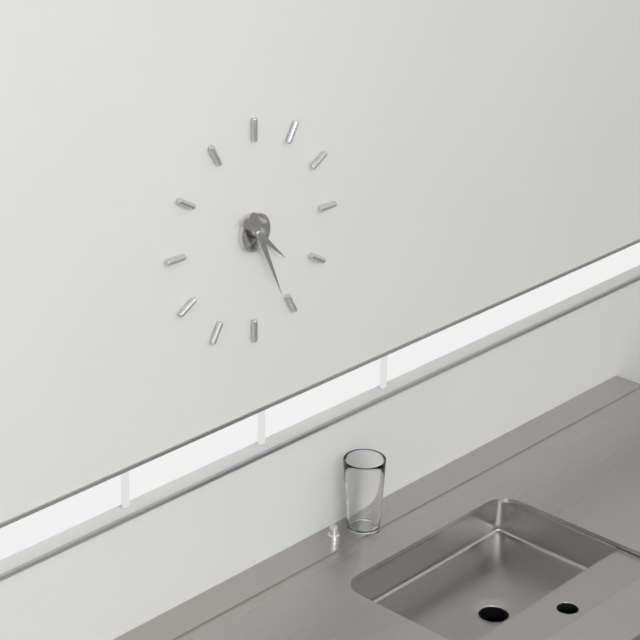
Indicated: 4:26
